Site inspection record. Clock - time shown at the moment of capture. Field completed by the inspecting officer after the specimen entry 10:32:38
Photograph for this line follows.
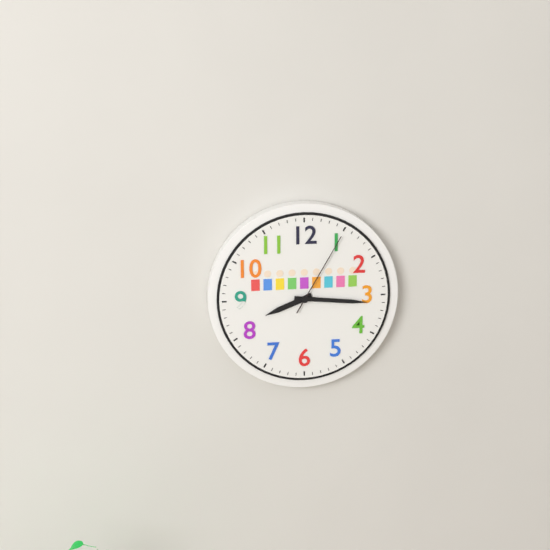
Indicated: 8:16:05
